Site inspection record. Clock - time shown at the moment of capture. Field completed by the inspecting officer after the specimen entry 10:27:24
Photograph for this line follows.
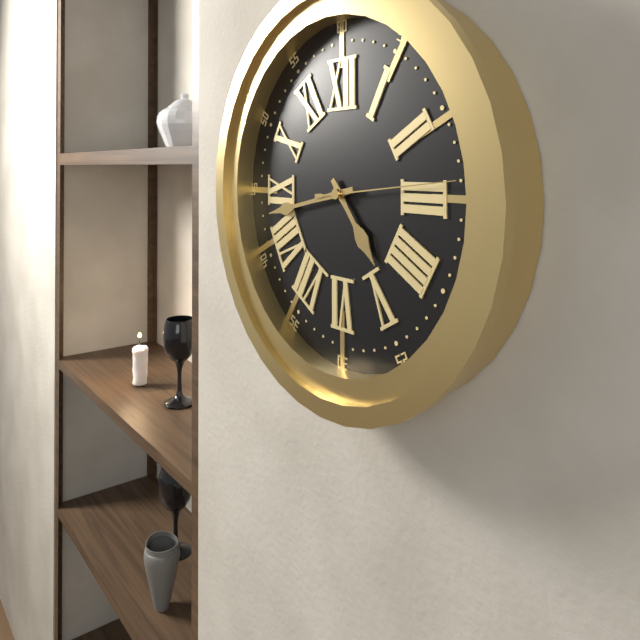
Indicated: 4:43:14
